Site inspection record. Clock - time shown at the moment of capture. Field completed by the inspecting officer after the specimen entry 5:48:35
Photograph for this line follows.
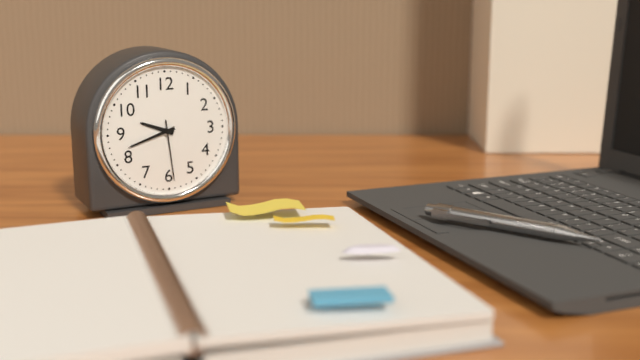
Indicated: 9:42:29
